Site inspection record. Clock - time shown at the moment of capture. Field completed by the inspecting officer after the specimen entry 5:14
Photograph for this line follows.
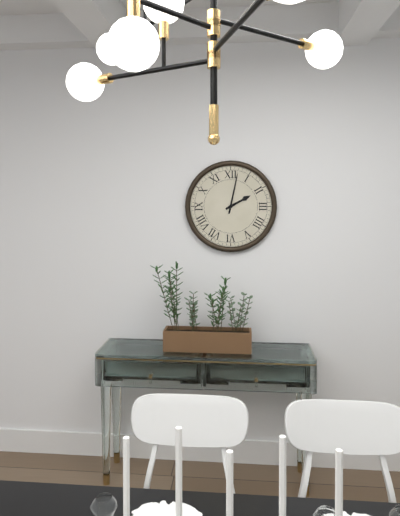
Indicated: 2:02
